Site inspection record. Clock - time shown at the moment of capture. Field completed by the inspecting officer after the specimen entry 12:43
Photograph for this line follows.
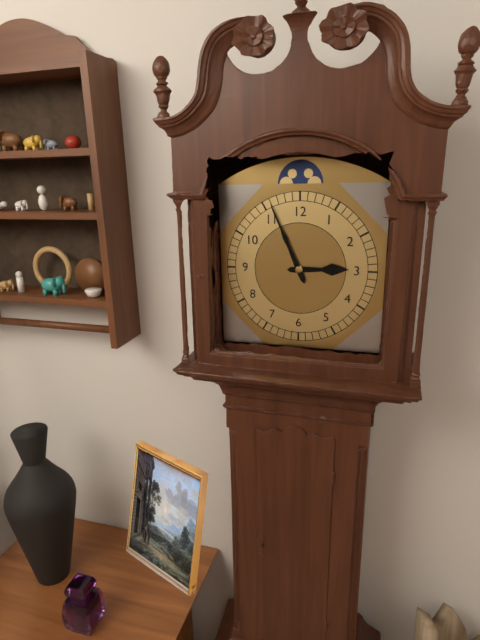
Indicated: 2:56
